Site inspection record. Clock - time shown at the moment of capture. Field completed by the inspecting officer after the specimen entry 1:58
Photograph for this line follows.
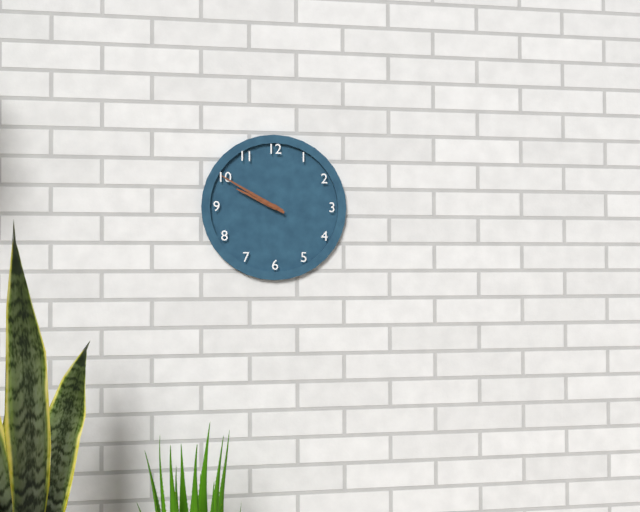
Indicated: 9:50
